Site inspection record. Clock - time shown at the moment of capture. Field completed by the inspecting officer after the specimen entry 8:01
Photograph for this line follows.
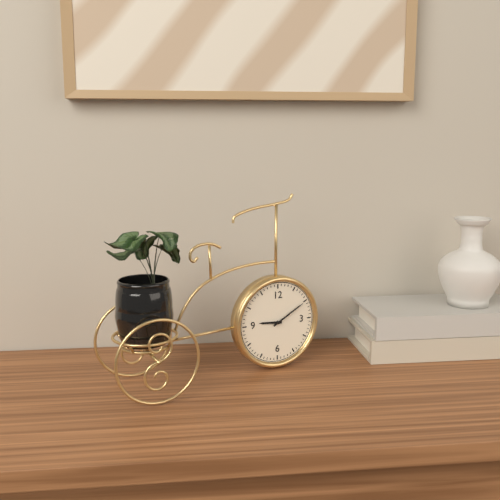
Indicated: 9:10
